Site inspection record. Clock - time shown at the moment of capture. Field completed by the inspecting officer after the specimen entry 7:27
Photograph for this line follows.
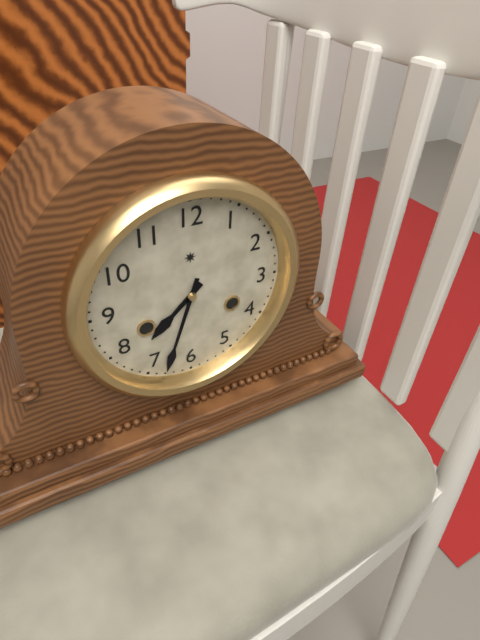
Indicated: 7:33
